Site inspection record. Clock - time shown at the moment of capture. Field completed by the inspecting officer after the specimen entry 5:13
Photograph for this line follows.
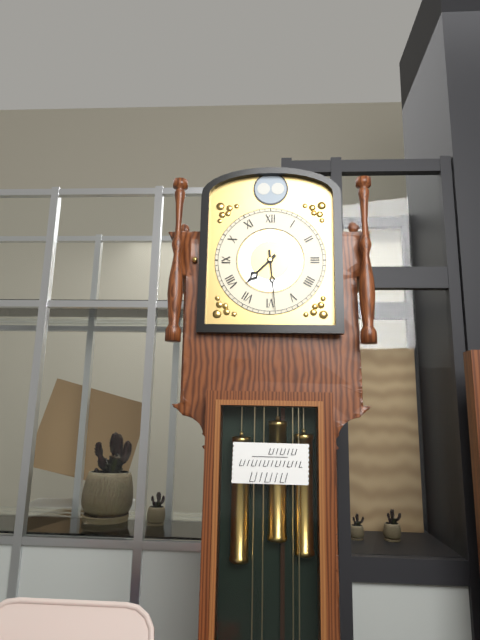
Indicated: 7:29
